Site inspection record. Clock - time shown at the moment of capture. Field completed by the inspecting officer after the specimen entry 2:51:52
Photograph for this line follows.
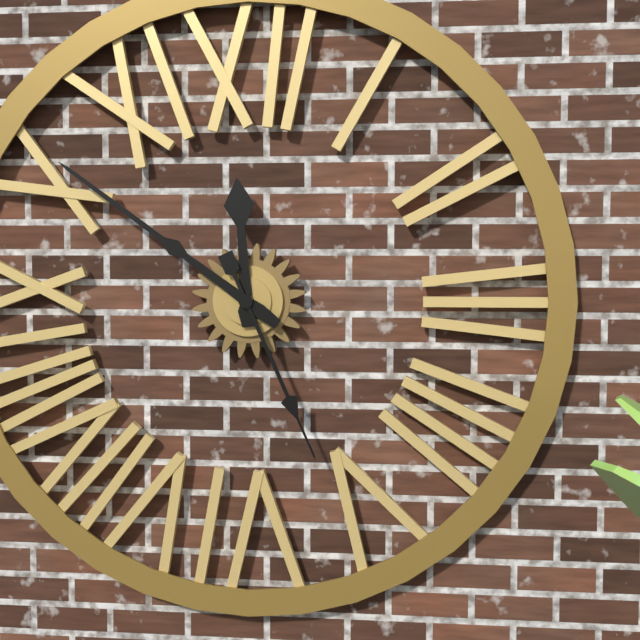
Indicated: 11:51:26
